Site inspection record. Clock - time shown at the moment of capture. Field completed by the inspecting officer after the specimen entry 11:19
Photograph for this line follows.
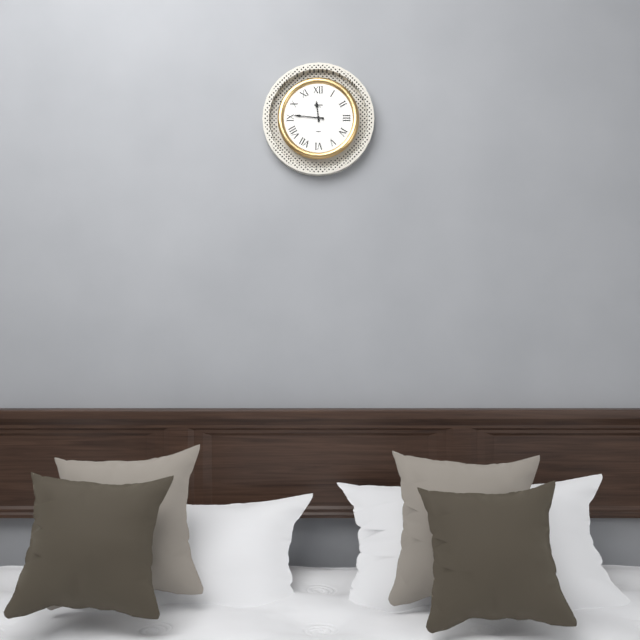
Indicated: 11:46
